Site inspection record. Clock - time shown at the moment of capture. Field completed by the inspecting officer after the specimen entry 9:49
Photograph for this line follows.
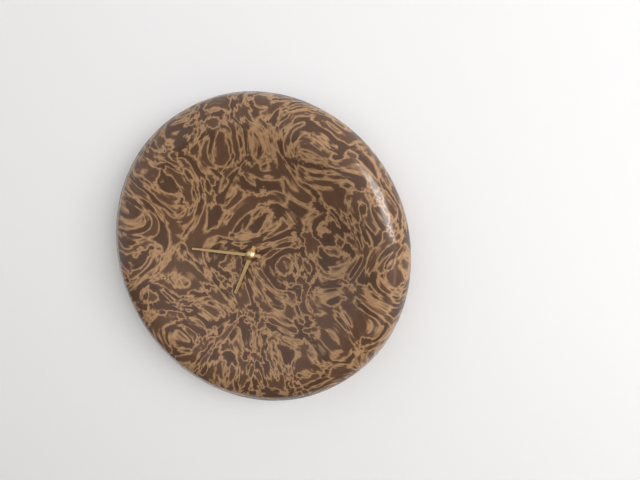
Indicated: 6:45
